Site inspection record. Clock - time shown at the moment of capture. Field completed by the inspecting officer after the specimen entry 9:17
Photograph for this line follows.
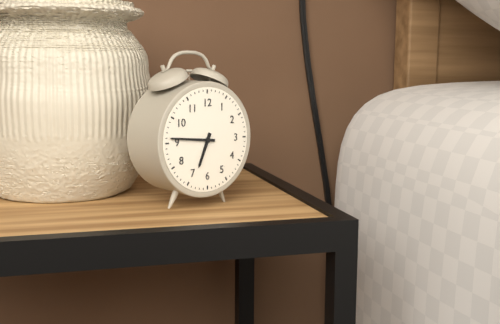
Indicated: 6:46
